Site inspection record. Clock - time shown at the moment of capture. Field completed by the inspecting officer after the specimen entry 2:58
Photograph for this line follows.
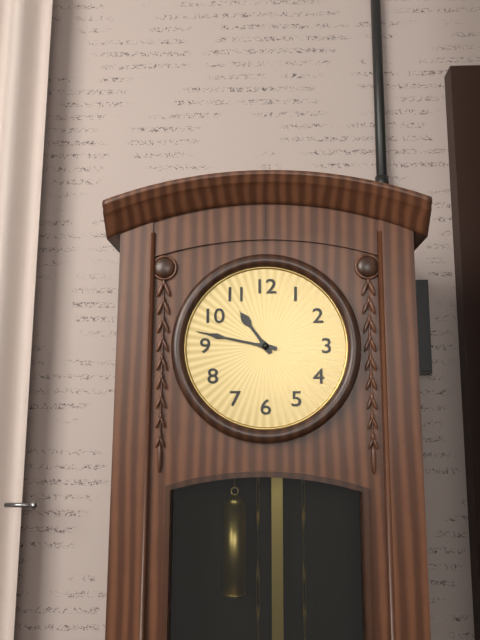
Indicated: 10:47
